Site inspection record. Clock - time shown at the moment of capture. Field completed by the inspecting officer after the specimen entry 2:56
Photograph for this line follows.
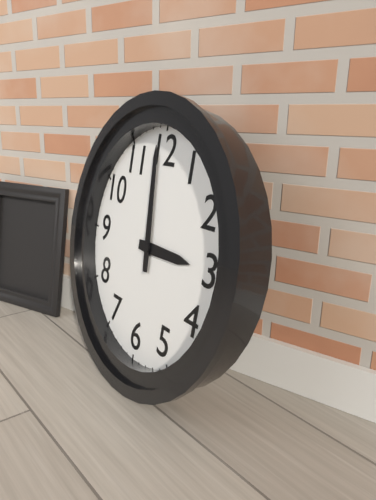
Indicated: 2:59
